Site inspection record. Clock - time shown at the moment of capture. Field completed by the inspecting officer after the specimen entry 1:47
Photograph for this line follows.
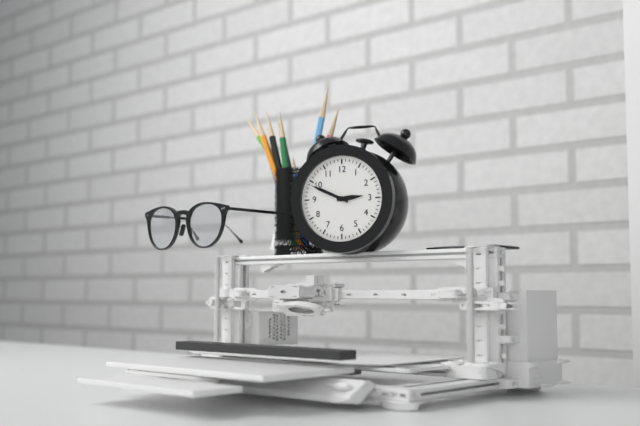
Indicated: 2:49
